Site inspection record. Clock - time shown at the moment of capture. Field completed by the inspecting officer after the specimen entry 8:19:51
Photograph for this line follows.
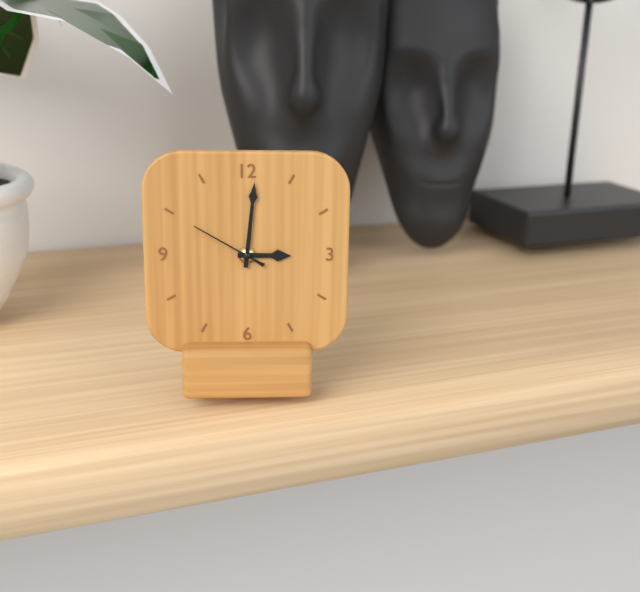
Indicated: 3:01:50
